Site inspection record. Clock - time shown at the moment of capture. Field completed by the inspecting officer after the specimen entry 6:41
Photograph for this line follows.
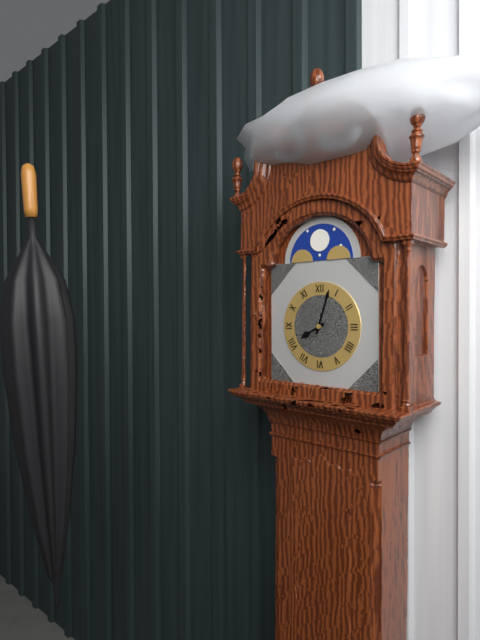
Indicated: 8:03
